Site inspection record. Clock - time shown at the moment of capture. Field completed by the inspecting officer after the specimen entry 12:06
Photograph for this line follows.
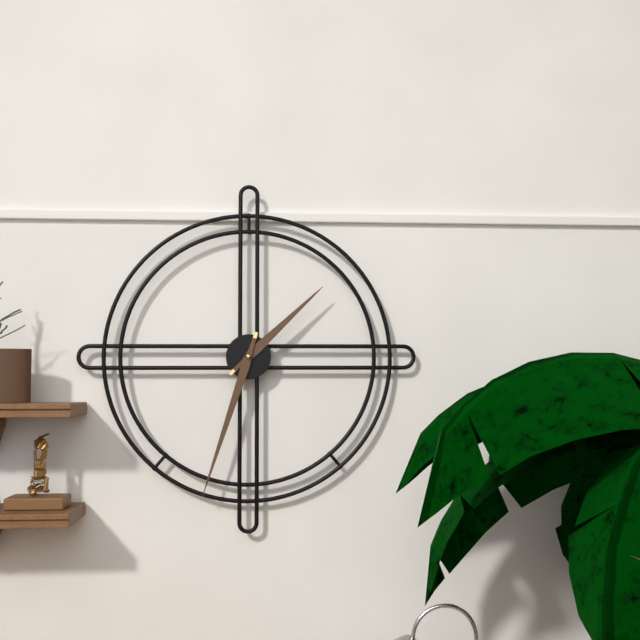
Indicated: 1:33
